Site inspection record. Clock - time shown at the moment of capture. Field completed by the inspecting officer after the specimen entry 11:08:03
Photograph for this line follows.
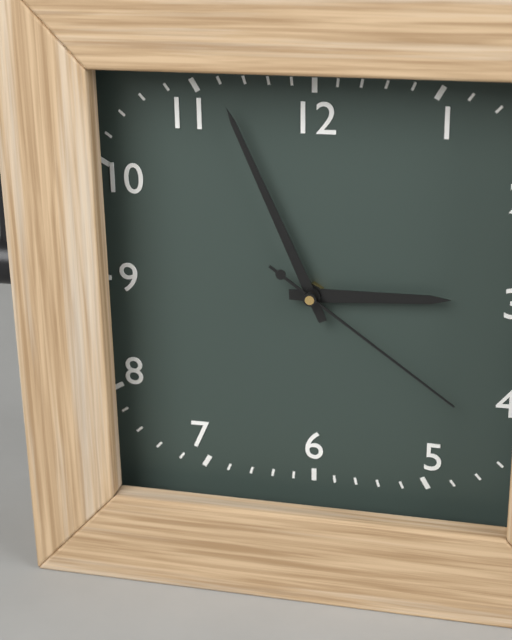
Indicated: 2:56:21
